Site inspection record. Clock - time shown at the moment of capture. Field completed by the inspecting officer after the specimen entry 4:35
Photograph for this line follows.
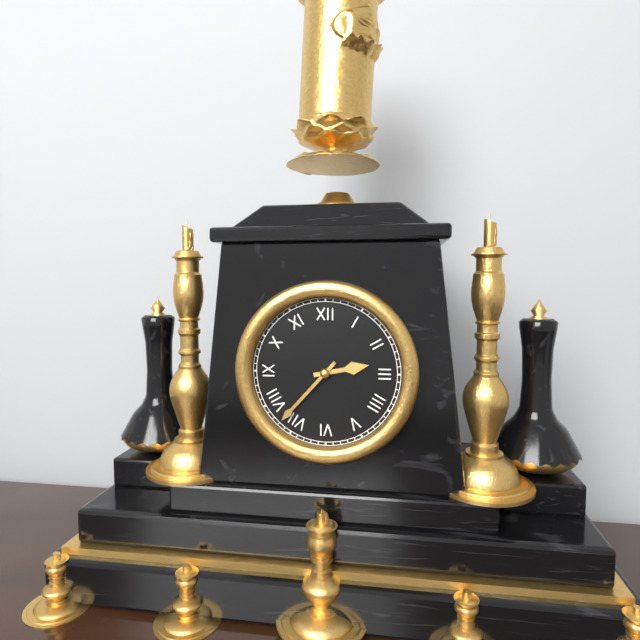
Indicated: 2:37
